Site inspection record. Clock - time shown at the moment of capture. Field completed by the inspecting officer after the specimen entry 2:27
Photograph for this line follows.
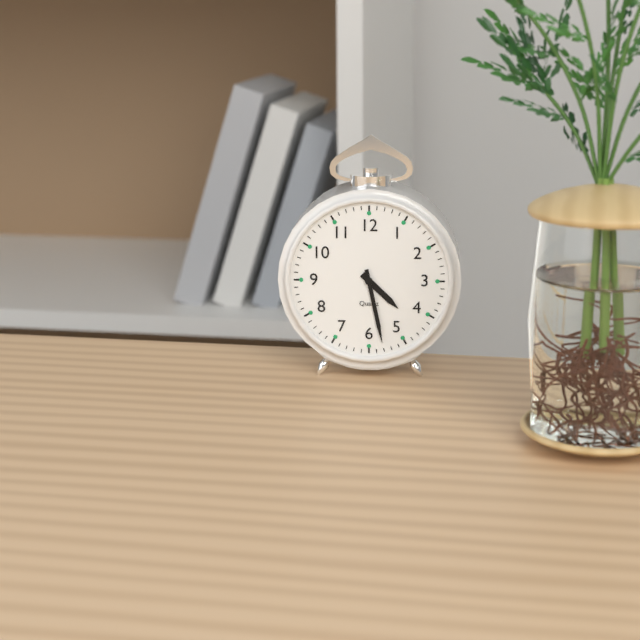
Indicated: 4:28
